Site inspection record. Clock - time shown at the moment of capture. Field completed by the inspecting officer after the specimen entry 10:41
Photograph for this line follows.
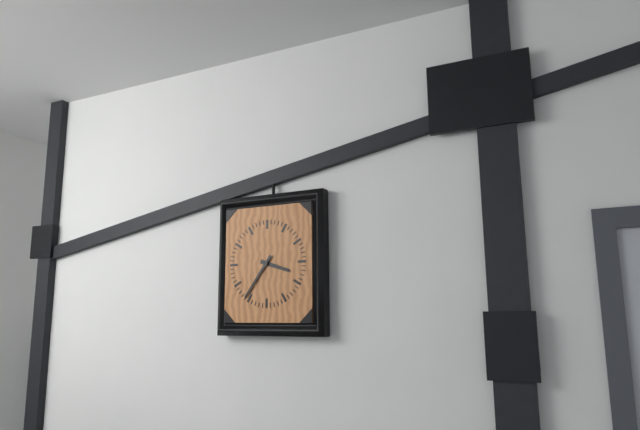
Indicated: 3:36
